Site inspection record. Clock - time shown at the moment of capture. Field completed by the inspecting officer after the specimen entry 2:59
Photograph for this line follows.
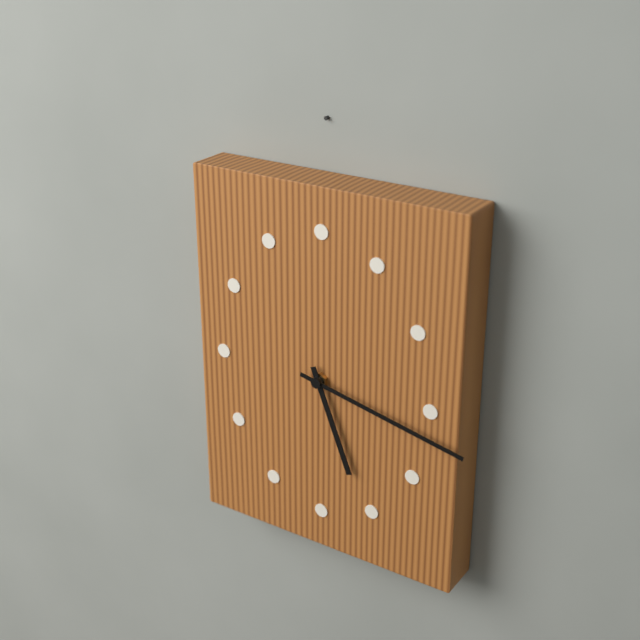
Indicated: 5:17
